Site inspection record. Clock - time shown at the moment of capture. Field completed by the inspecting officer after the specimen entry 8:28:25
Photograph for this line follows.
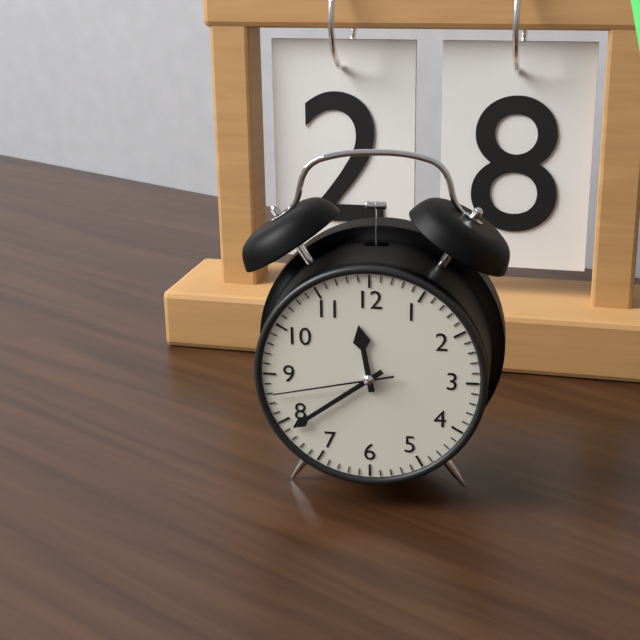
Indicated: 11:39:43
